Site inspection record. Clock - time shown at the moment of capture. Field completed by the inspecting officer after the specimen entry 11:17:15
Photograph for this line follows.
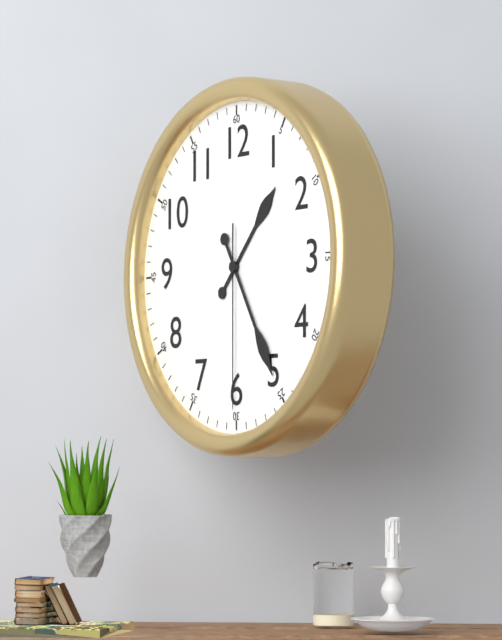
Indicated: 1:25:30
